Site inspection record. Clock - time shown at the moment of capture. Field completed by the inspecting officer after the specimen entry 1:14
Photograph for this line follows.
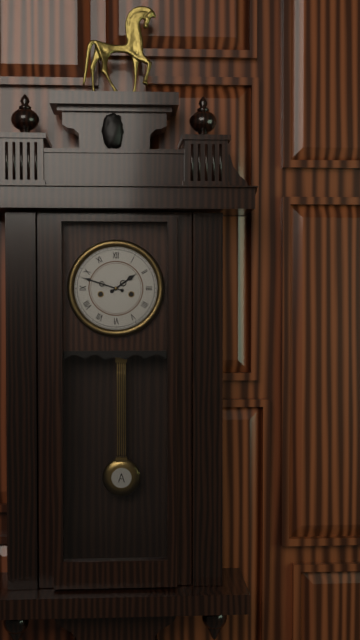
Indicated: 1:48
